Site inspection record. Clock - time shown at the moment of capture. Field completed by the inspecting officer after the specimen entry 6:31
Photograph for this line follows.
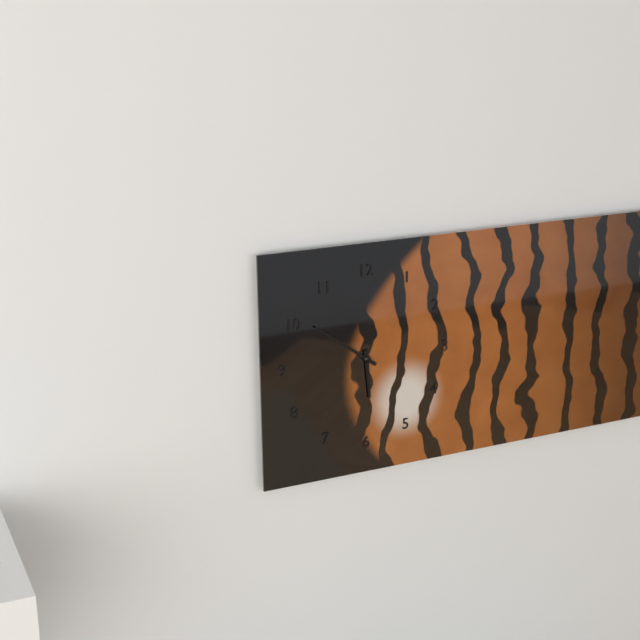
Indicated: 5:51
